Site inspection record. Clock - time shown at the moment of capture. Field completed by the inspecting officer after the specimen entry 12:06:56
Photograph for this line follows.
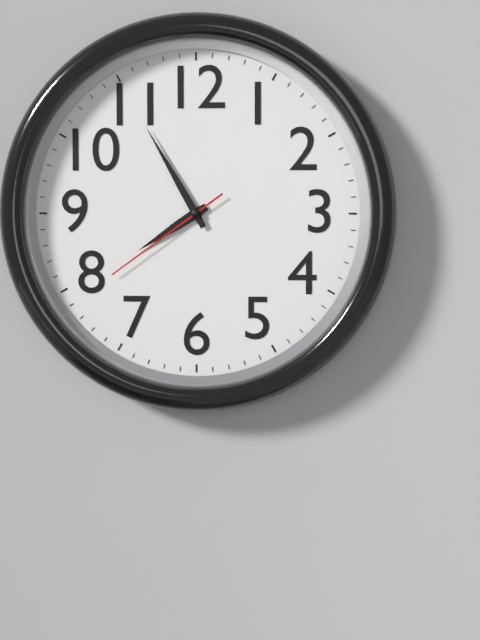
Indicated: 7:55:39
